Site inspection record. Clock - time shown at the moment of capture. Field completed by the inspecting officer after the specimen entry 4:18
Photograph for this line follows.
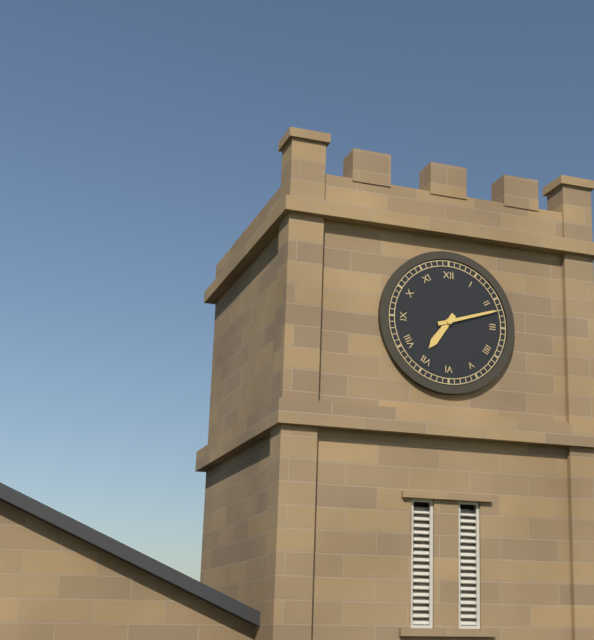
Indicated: 7:12
